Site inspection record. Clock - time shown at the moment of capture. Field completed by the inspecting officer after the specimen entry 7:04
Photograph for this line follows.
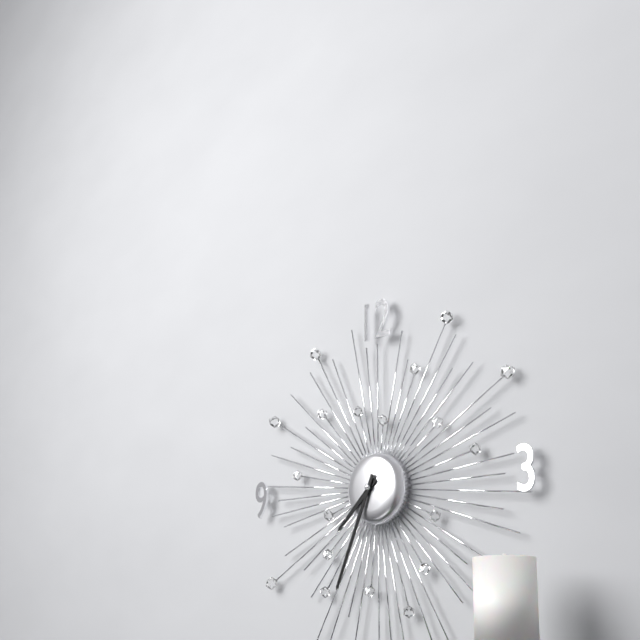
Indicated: 7:34
